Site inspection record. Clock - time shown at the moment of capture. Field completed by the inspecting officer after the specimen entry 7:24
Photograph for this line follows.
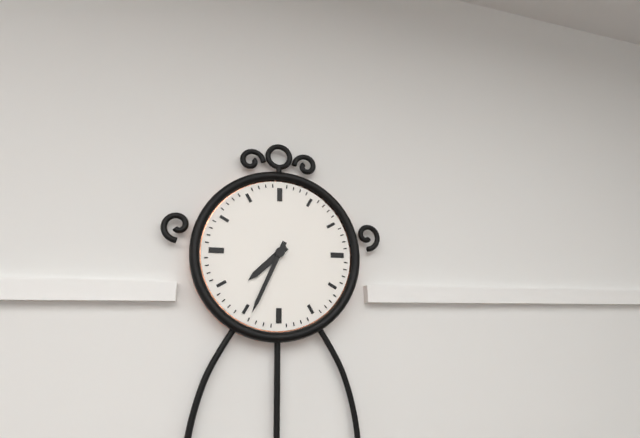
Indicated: 7:34
